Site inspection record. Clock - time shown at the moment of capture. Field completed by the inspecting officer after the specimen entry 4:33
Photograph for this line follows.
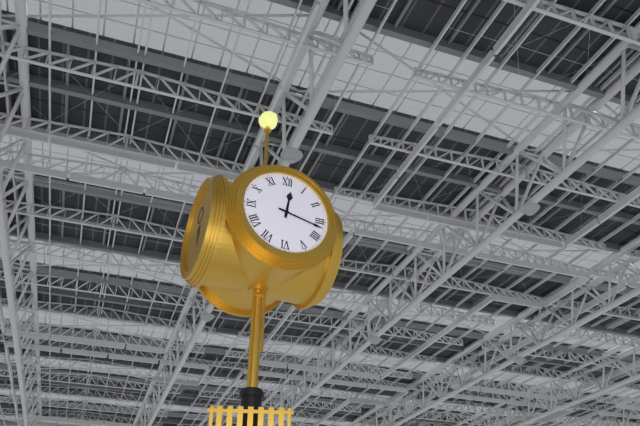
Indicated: 12:17
